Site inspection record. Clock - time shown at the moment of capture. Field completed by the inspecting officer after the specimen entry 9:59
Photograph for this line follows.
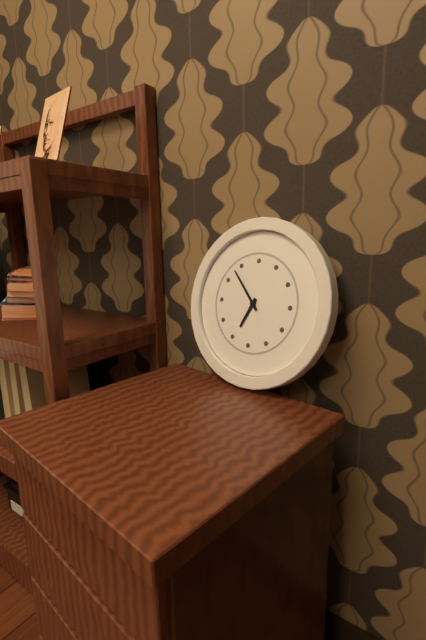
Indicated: 6:53
